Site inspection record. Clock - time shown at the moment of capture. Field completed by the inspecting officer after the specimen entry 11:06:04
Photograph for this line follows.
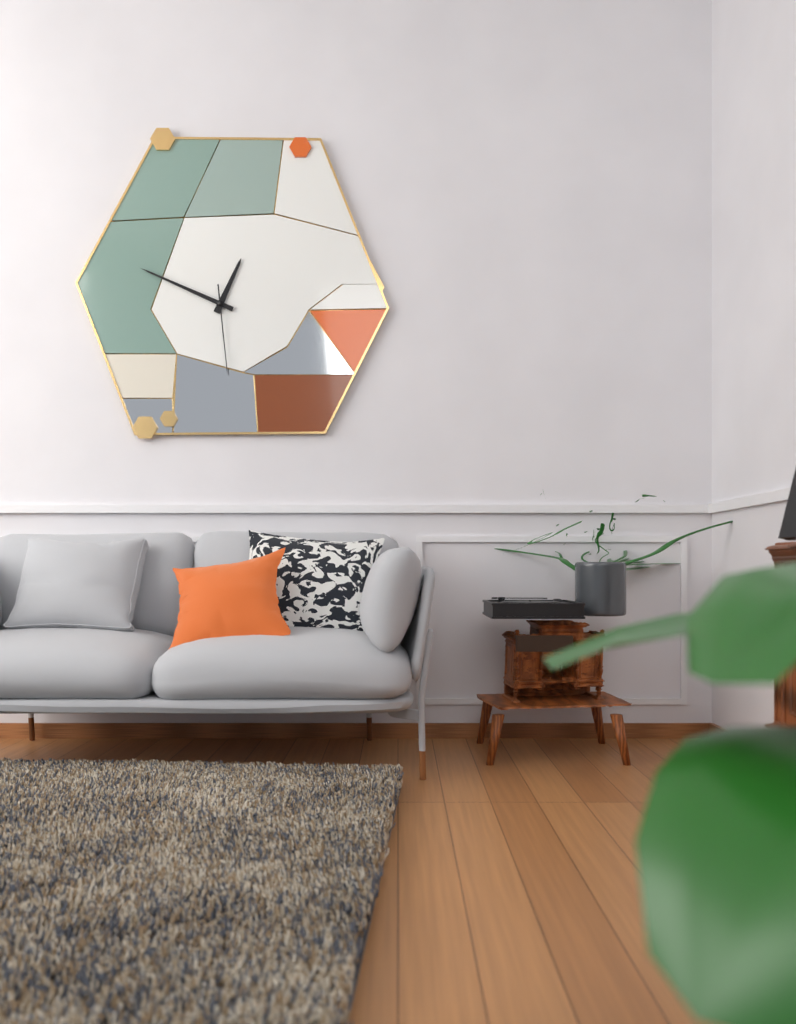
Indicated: 12:49:29
